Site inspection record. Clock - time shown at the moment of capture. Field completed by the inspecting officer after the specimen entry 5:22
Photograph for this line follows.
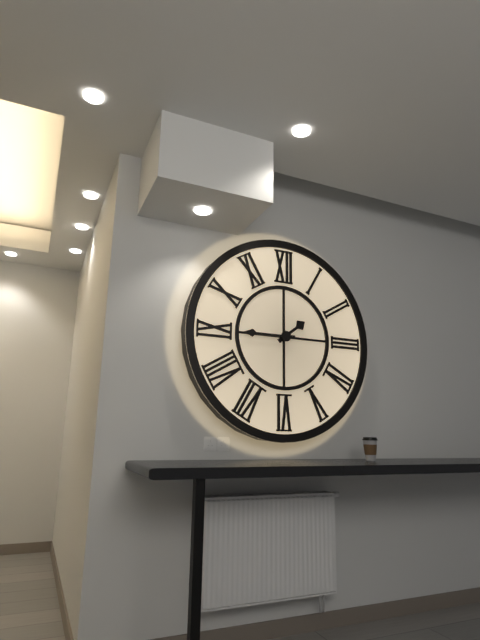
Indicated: 1:45
